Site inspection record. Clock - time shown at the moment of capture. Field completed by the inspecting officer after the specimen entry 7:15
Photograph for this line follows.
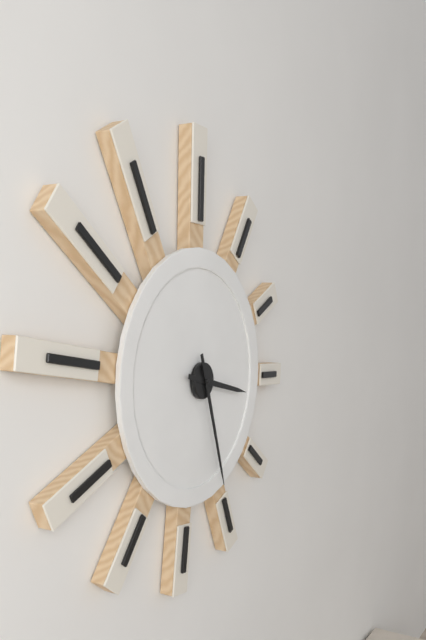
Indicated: 3:27
